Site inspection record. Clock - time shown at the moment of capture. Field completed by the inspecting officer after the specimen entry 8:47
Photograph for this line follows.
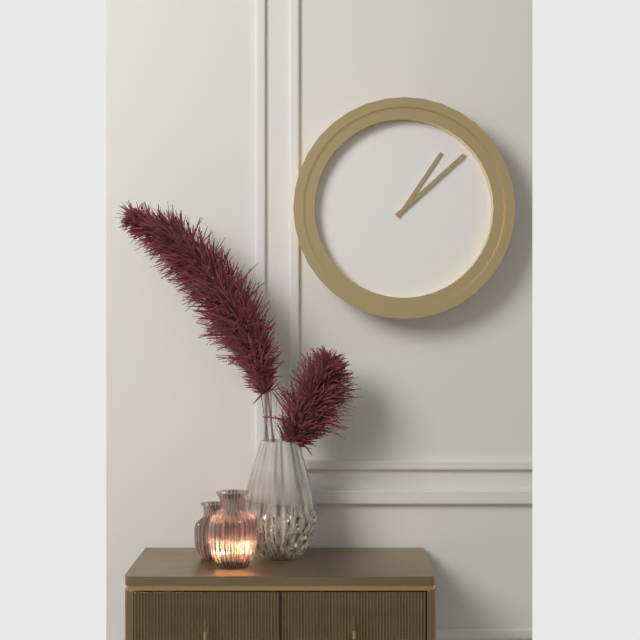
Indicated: 1:08
